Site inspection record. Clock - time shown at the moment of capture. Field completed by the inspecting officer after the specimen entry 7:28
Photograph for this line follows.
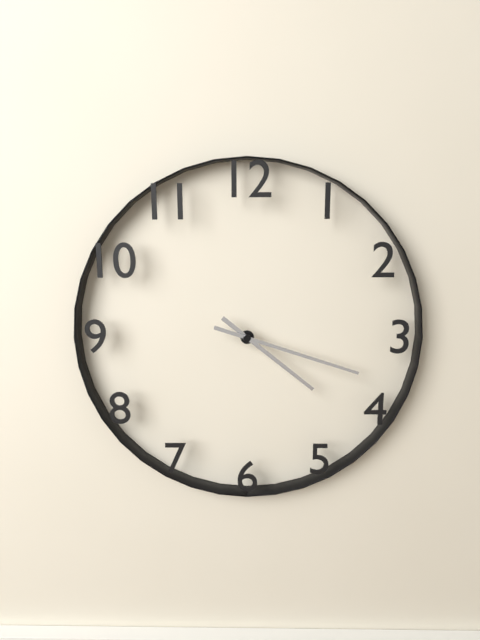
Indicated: 4:18
